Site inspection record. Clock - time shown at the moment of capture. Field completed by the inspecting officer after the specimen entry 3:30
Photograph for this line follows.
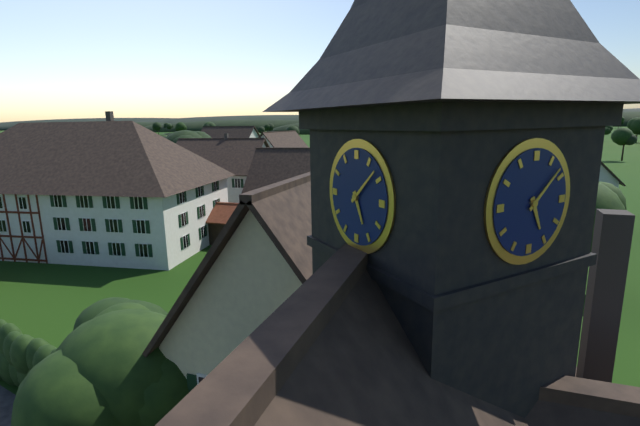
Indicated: 5:08
